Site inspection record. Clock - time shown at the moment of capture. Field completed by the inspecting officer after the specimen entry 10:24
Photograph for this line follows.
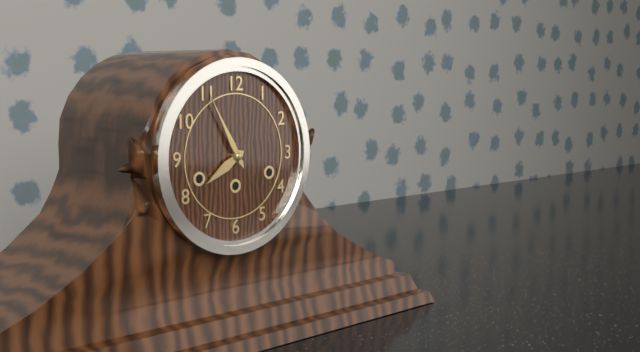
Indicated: 7:55
